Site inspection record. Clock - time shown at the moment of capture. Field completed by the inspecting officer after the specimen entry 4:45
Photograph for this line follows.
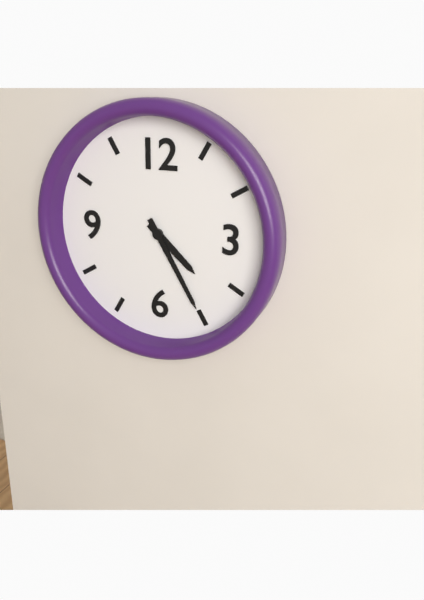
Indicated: 4:25
